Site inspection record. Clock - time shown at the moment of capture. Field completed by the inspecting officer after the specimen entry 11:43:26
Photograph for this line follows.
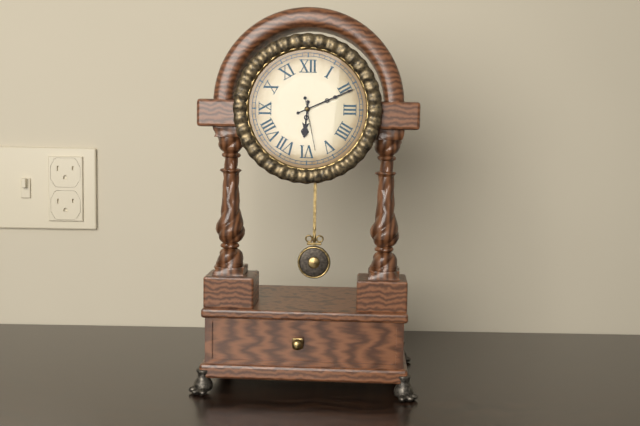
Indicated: 6:11:28
